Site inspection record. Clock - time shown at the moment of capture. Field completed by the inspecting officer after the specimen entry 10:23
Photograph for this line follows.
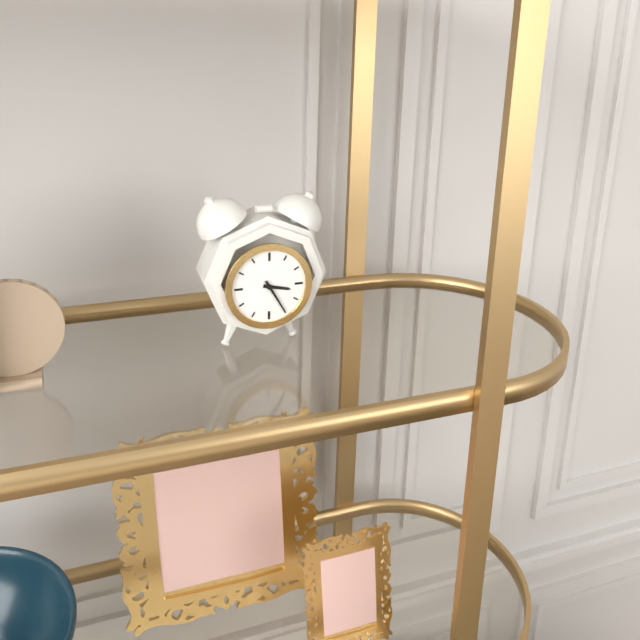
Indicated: 3:25
